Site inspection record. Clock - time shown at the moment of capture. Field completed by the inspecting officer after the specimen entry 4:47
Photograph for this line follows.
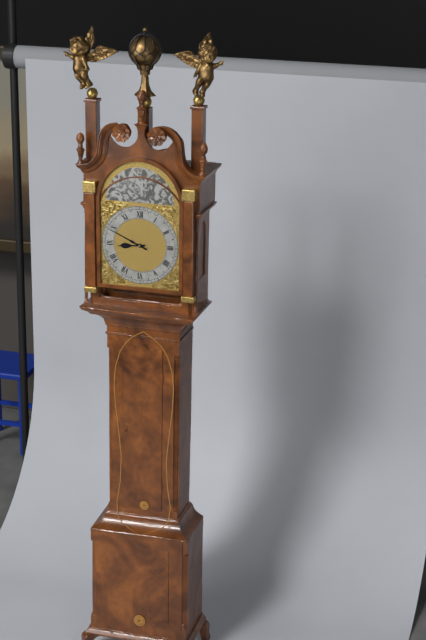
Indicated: 8:49
